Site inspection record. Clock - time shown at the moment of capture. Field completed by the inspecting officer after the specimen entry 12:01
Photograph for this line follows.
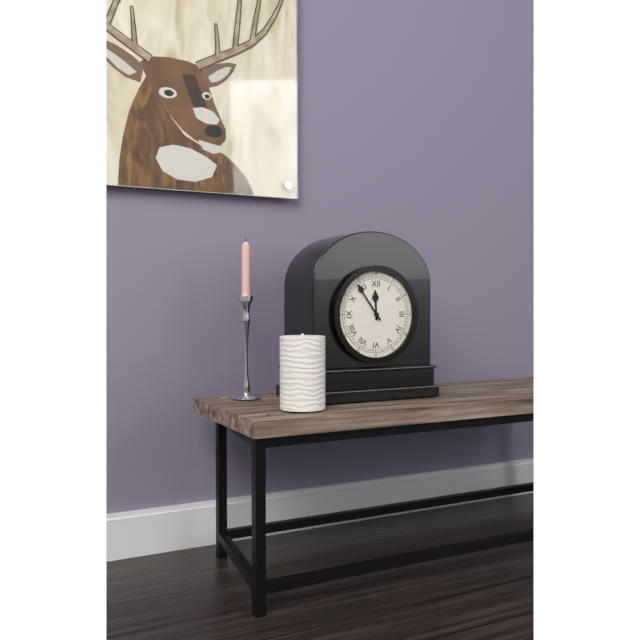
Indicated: 11:54
